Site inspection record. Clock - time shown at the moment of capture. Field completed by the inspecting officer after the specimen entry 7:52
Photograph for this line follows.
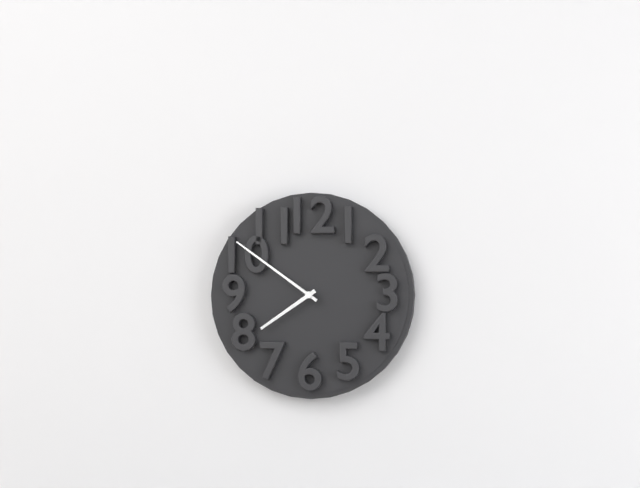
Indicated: 7:51
